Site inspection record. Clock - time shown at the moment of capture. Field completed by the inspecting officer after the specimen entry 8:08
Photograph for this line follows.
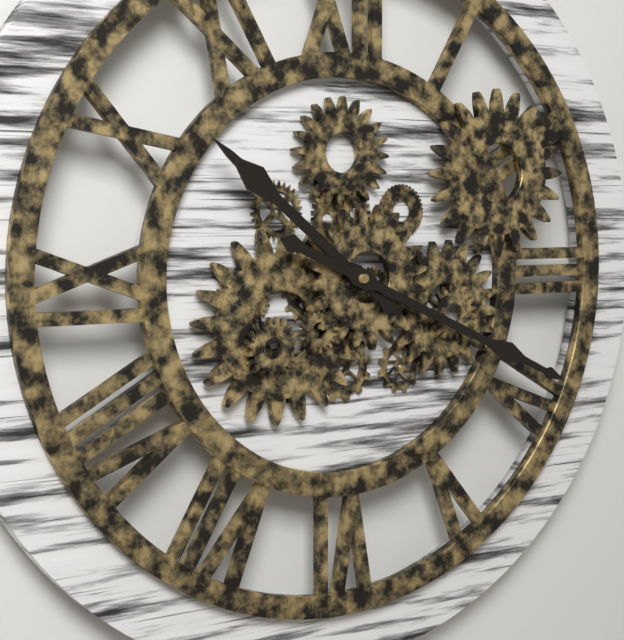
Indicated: 10:19
